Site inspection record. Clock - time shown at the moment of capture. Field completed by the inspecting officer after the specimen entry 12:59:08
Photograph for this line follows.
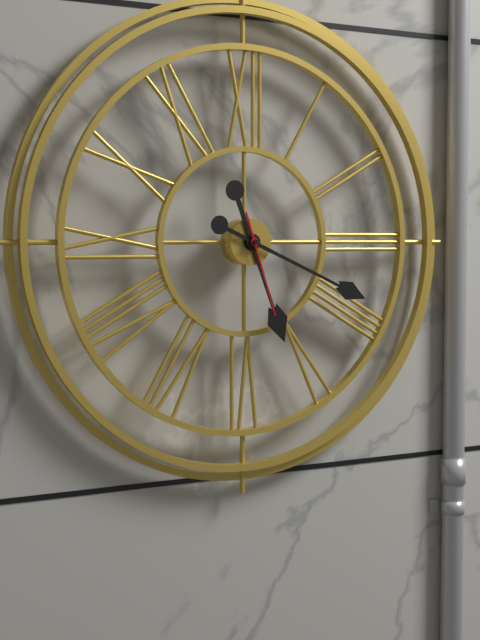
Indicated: 5:19:27
